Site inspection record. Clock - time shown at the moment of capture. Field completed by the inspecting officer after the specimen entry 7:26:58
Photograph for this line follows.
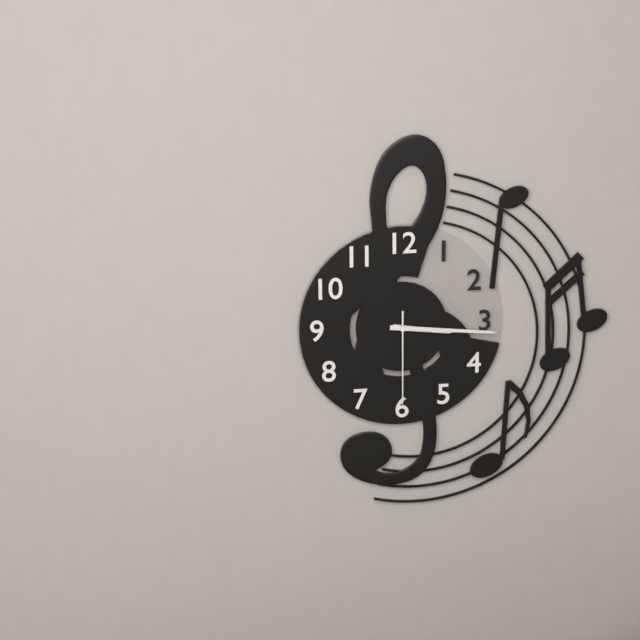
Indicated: 3:16:30
